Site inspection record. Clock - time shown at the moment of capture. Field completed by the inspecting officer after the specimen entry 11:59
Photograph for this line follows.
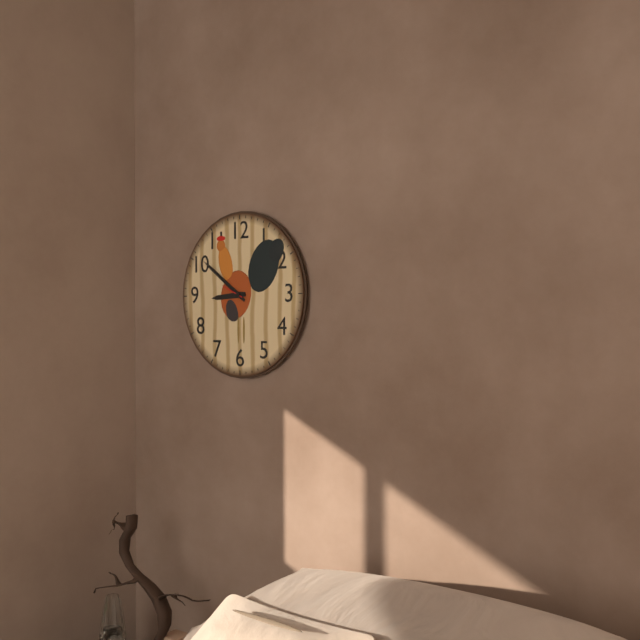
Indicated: 8:51
